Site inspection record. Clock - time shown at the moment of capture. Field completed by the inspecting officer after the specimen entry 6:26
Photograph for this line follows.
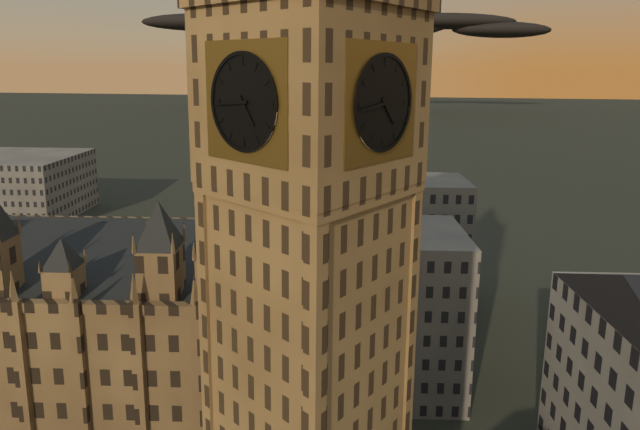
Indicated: 4:44
